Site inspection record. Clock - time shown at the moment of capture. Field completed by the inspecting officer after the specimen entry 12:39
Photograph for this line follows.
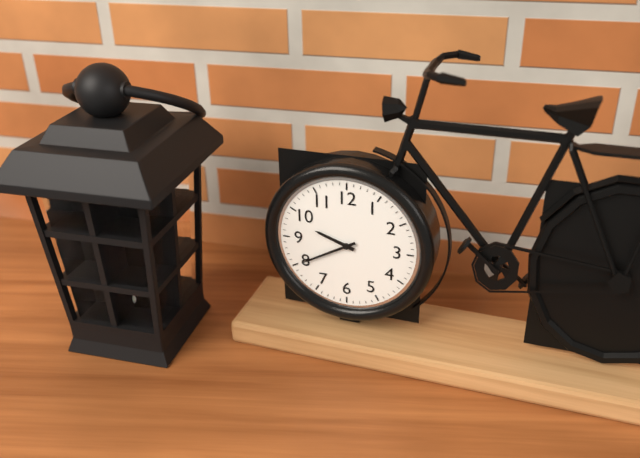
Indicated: 9:40
